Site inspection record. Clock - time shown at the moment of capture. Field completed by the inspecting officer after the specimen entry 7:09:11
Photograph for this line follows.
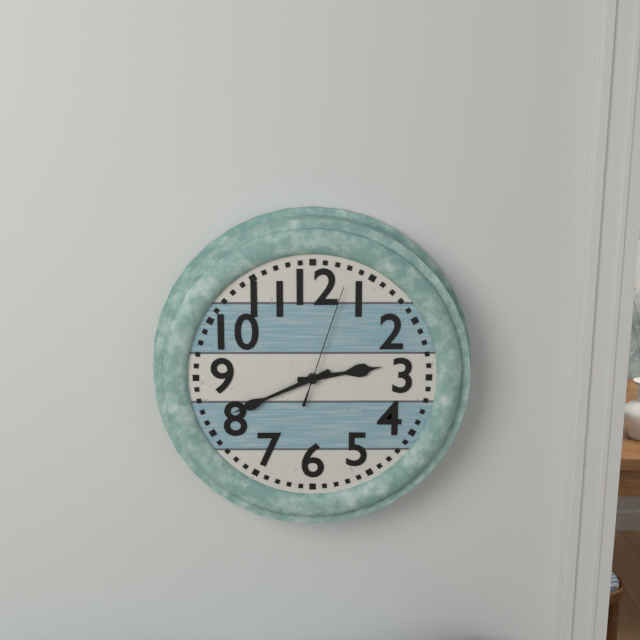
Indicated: 2:41:03
